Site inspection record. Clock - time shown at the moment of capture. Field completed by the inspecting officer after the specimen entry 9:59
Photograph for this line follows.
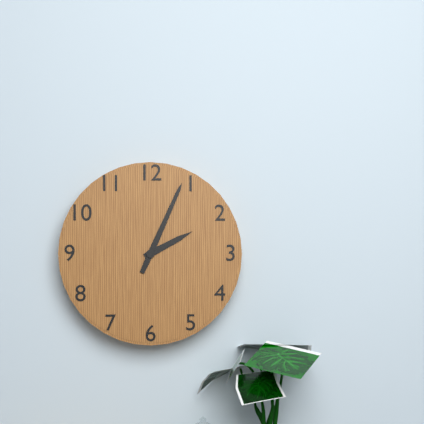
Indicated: 2:04
